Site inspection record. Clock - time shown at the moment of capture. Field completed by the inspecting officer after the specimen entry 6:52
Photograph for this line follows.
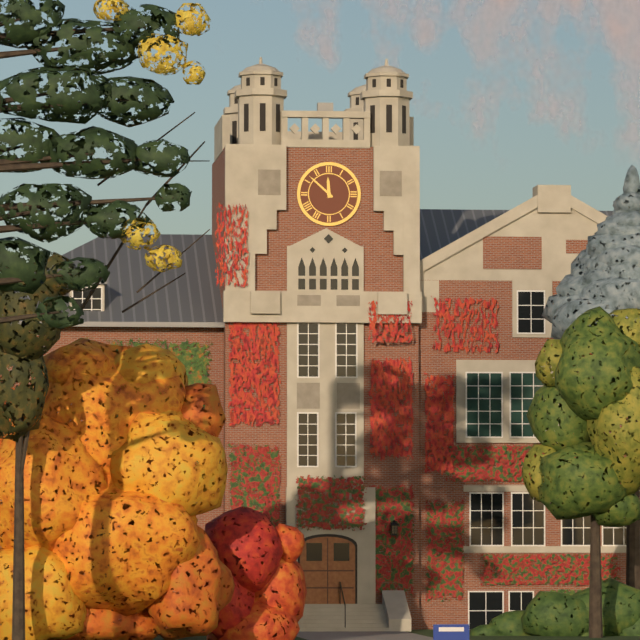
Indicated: 11:52
